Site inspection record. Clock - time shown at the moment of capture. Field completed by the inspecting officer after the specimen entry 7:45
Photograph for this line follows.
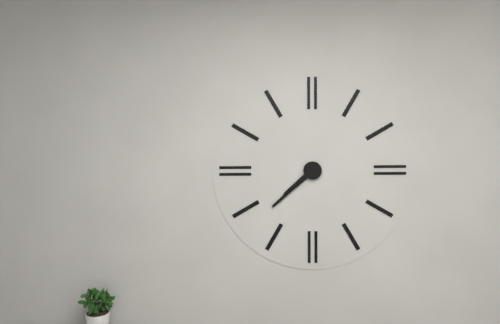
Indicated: 7:38
